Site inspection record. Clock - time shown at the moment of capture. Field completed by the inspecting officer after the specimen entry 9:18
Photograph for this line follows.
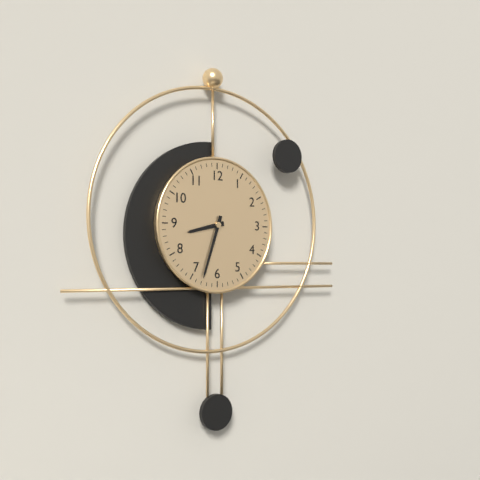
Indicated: 8:33
